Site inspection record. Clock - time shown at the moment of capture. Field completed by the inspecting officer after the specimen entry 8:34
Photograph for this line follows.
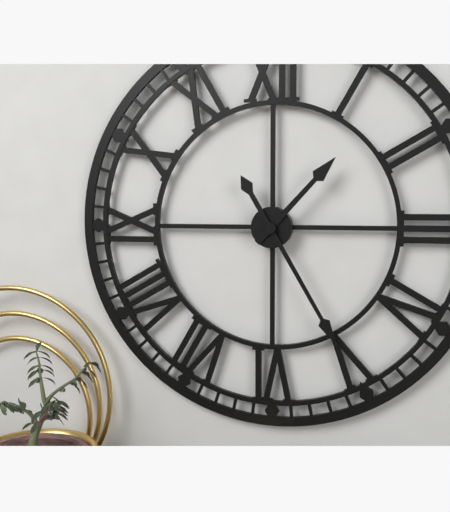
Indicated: 1:25
